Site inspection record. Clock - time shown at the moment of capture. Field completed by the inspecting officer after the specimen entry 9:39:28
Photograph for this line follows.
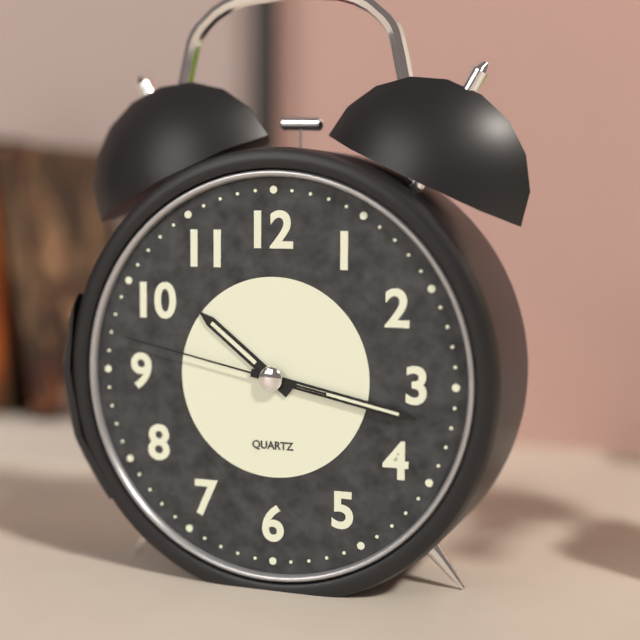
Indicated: 10:17:47
